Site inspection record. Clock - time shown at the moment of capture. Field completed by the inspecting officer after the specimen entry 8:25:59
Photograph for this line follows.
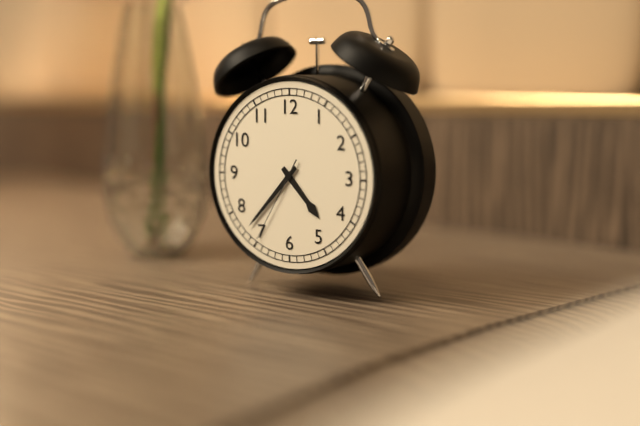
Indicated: 4:37:35
